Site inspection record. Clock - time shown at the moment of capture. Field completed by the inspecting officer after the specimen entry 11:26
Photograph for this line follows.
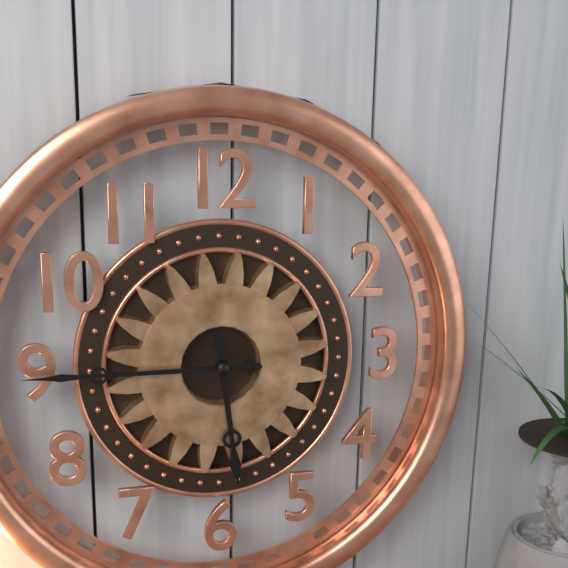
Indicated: 5:45
